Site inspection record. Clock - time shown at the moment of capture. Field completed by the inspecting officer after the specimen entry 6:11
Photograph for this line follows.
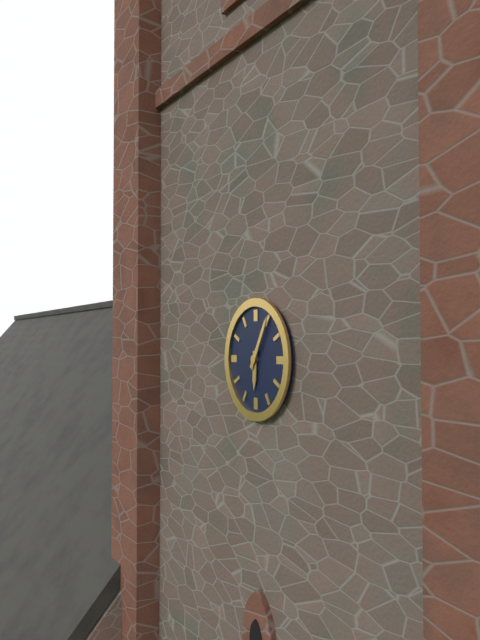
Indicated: 6:05
